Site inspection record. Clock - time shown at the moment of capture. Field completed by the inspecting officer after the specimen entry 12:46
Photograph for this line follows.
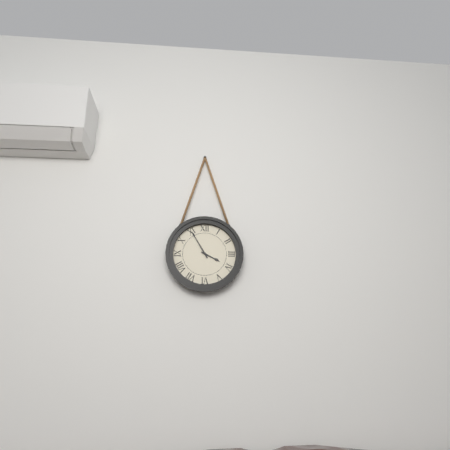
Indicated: 3:55
